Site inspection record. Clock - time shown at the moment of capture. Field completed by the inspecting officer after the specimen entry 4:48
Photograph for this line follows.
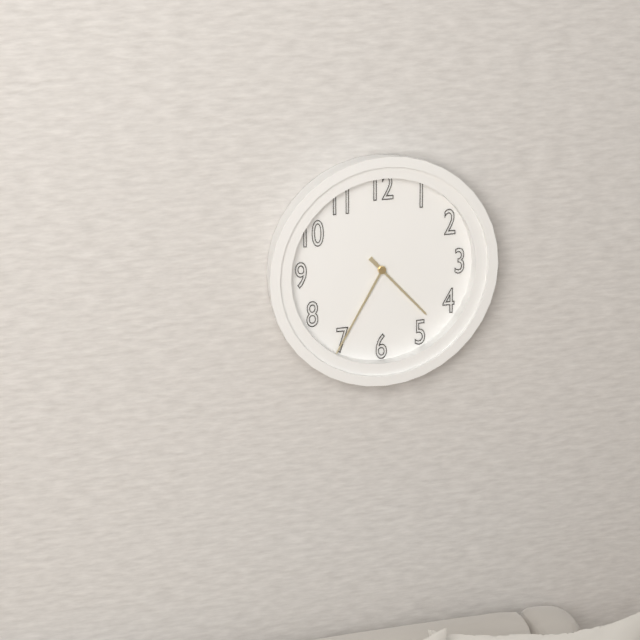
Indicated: 4:35
